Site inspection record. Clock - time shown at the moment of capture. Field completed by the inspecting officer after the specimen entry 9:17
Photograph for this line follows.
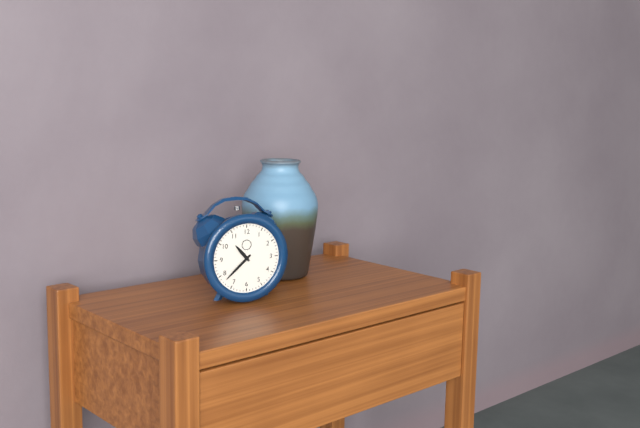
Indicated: 10:38
